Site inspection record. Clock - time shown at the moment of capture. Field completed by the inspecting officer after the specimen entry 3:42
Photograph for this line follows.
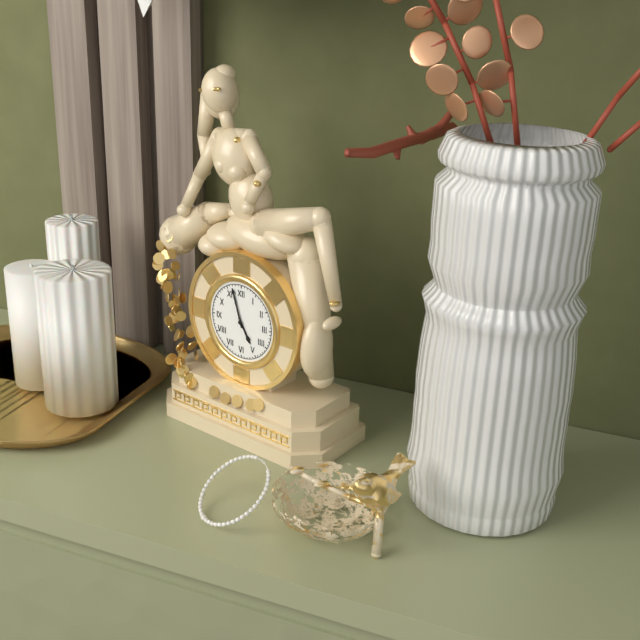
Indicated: 4:57
